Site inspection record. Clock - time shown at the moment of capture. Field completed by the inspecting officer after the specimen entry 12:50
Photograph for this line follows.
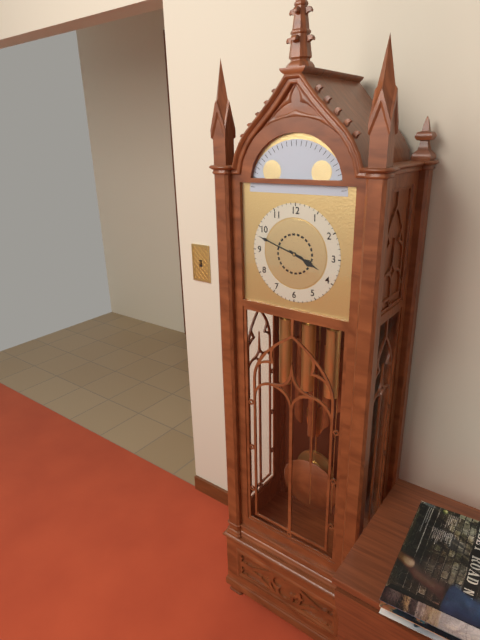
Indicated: 3:48
